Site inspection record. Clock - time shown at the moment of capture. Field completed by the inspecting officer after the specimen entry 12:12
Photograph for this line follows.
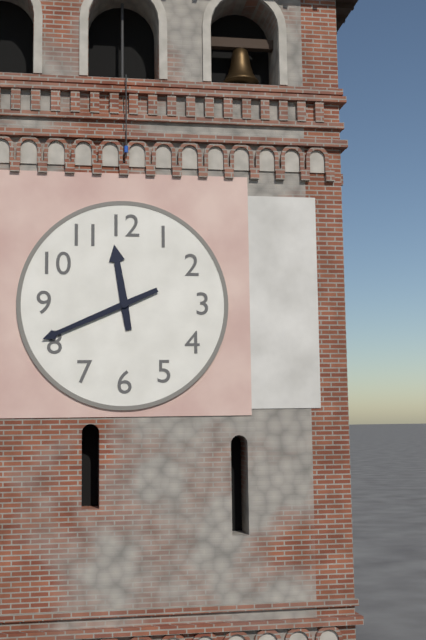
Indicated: 11:41
